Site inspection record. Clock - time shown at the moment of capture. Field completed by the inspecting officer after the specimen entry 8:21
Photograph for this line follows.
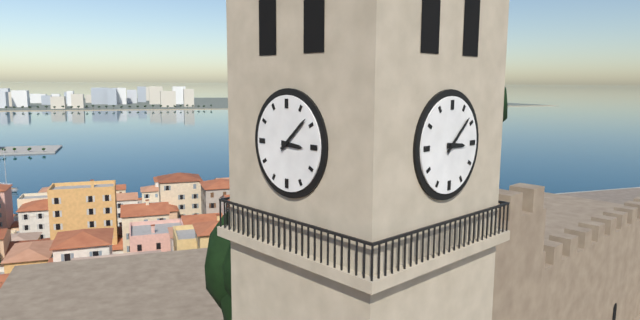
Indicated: 3:08
